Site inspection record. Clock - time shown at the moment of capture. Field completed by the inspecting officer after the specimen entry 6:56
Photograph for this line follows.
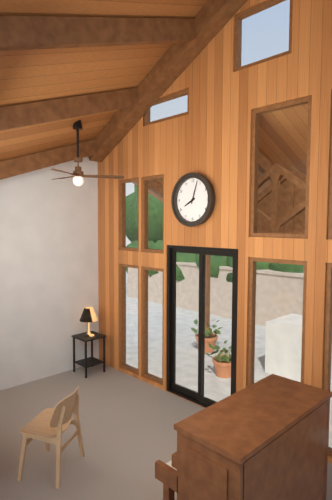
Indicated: 8:03
